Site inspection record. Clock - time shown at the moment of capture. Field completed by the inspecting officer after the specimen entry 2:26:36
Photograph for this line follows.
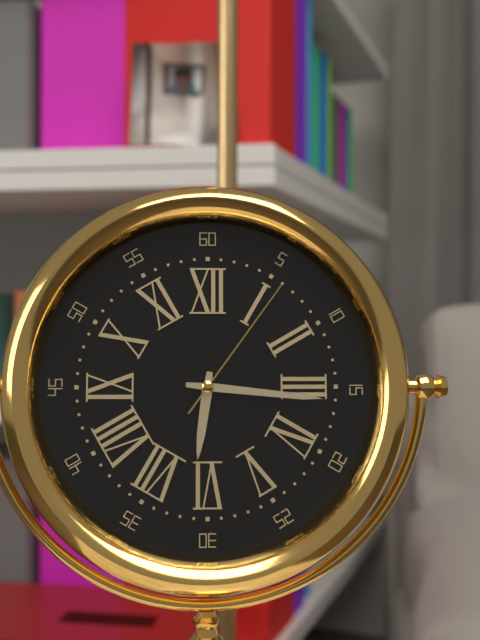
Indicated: 6:16:06
